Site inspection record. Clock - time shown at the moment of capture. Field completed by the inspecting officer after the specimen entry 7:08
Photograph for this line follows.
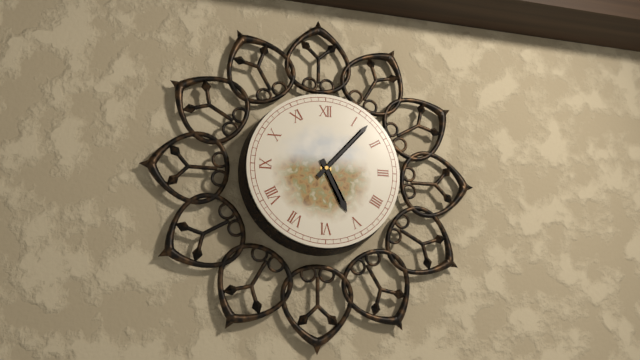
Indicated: 5:07
